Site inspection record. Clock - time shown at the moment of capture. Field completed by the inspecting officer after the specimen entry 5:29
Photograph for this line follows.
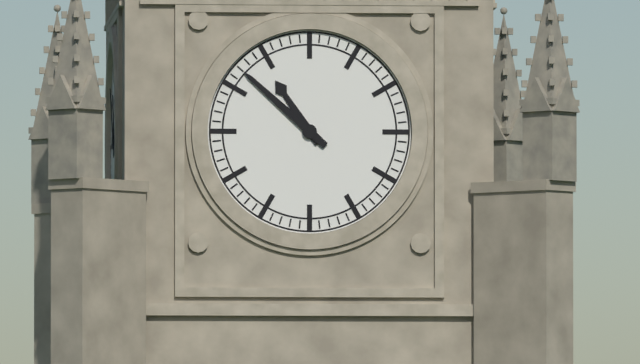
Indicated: 10:52
